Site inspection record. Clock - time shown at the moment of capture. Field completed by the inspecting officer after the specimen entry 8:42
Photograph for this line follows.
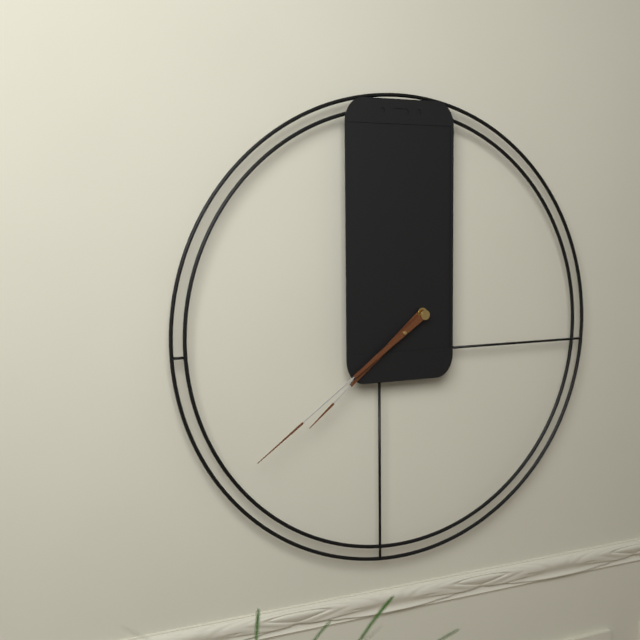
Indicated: 7:39
